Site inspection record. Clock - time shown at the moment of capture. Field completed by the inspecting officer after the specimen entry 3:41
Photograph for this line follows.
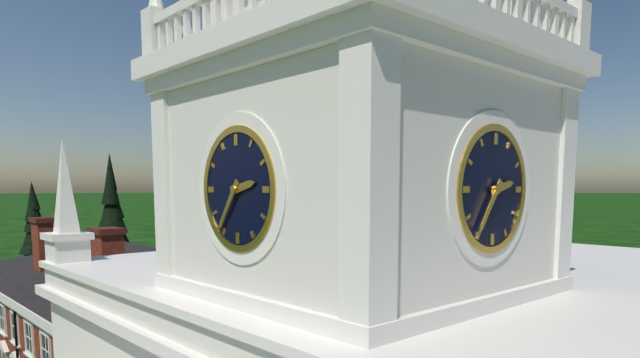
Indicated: 2:36
